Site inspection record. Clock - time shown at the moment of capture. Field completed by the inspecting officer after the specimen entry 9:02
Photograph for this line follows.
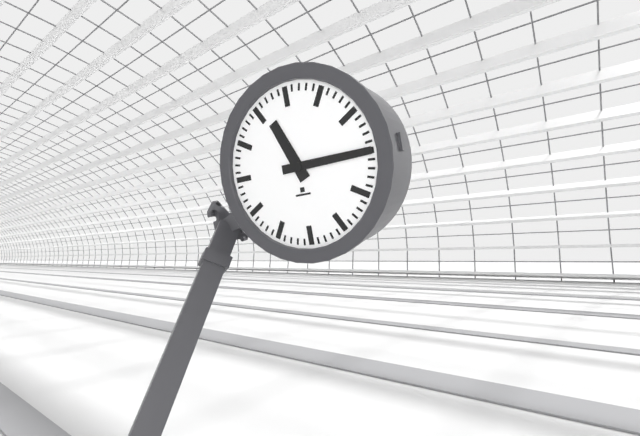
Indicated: 11:15
